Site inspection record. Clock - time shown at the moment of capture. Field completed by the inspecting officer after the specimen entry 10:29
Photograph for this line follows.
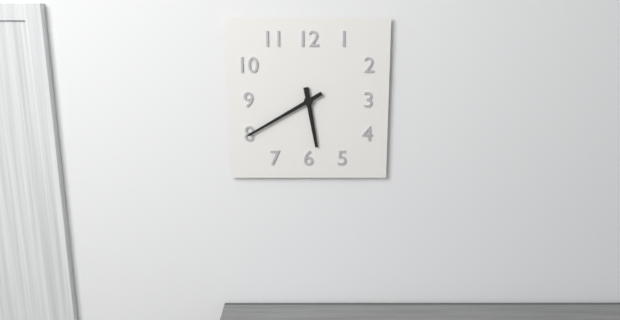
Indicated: 5:40
